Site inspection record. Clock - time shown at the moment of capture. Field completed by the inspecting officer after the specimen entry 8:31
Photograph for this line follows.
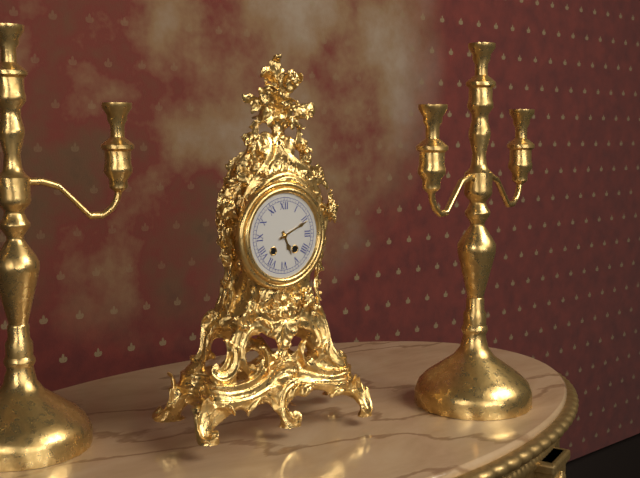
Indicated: 5:11
